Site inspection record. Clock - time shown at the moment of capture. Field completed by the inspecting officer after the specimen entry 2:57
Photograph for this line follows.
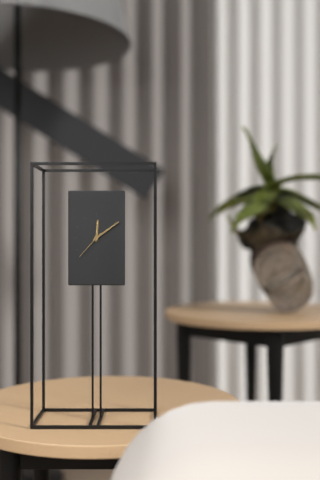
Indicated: 12:09
